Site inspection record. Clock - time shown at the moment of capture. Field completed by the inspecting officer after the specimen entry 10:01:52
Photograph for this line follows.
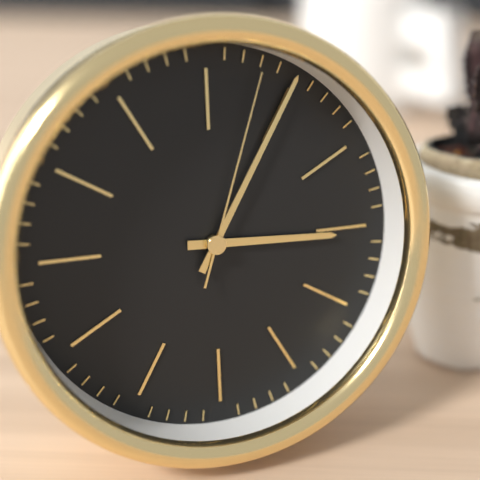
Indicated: 3:05:03
